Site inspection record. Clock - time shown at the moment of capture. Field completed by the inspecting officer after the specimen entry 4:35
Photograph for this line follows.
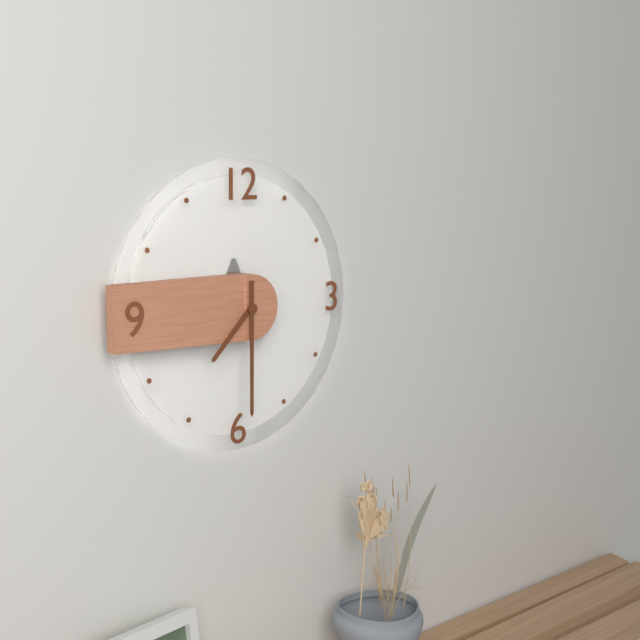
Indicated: 7:30
